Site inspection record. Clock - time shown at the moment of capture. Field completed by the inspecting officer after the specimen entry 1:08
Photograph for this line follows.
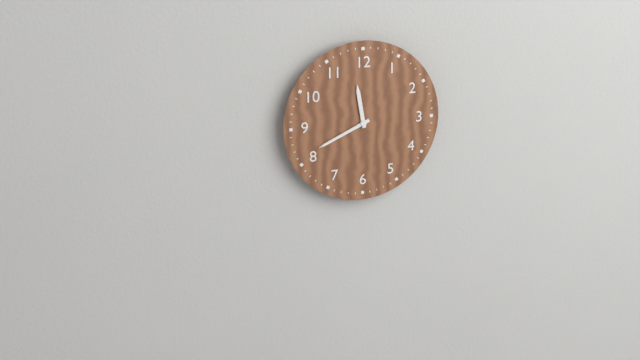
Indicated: 11:41
